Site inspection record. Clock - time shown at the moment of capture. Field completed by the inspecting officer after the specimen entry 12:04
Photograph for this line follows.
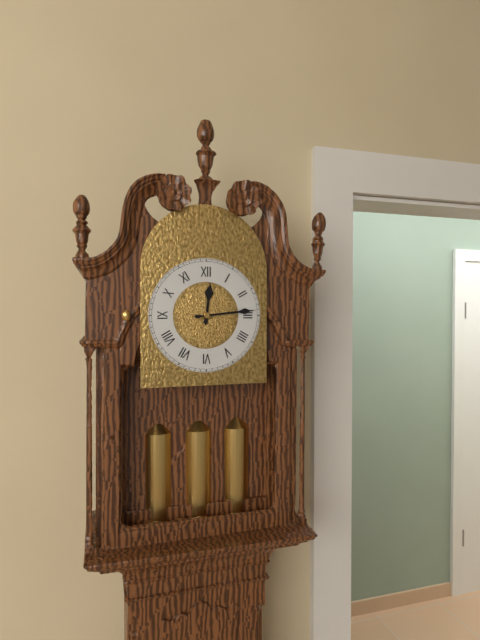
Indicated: 12:14
